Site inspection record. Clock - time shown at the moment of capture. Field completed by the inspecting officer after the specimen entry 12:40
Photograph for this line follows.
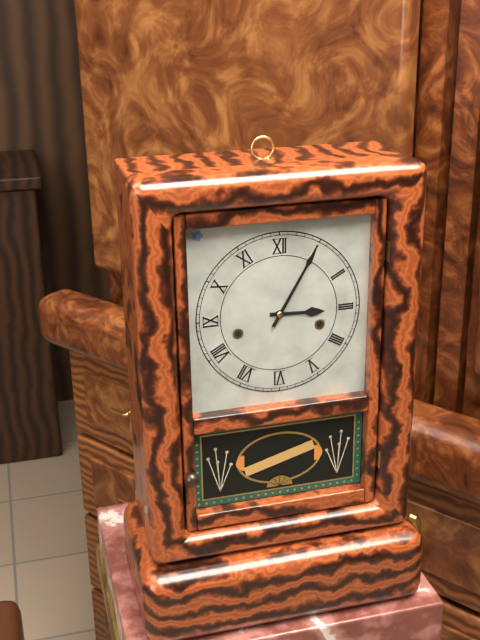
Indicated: 3:05
